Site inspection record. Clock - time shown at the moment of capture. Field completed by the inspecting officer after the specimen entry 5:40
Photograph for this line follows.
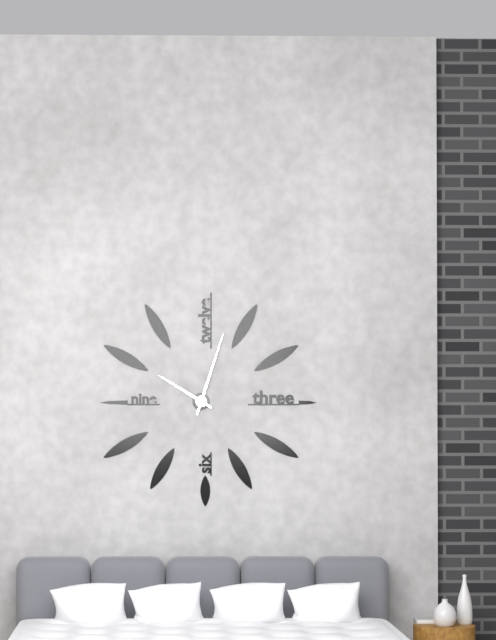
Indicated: 10:03
